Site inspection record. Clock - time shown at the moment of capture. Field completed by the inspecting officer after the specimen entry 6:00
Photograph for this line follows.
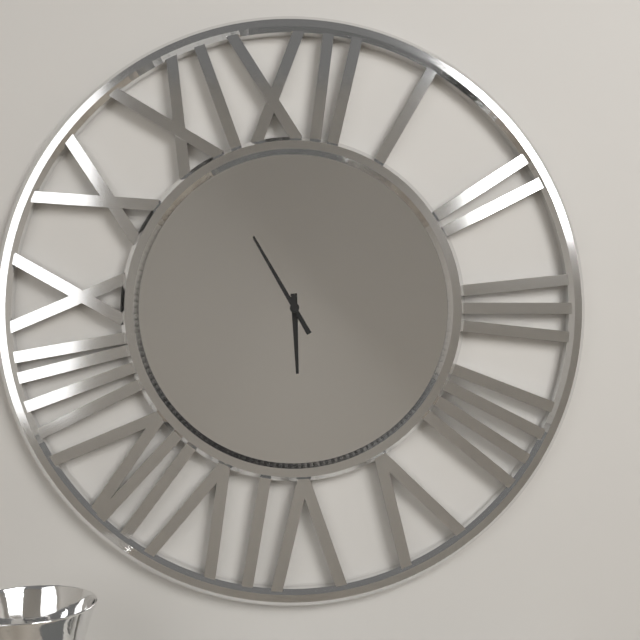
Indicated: 5:55
